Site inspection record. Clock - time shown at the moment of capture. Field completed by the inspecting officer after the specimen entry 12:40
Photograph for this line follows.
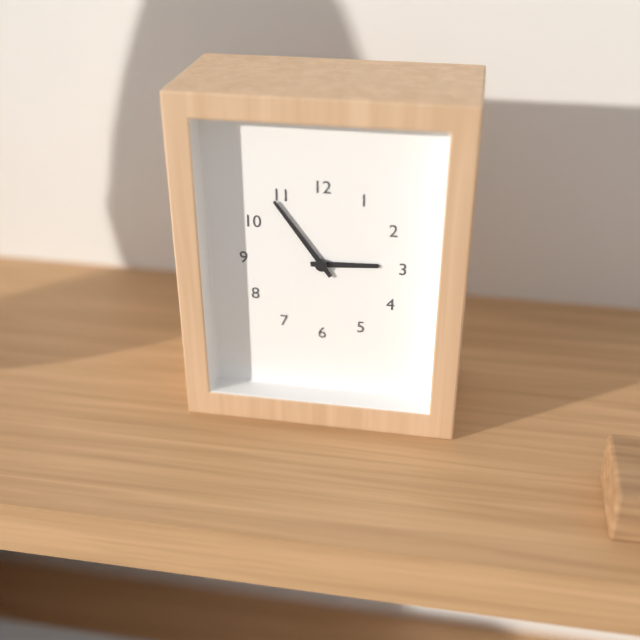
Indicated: 2:54
